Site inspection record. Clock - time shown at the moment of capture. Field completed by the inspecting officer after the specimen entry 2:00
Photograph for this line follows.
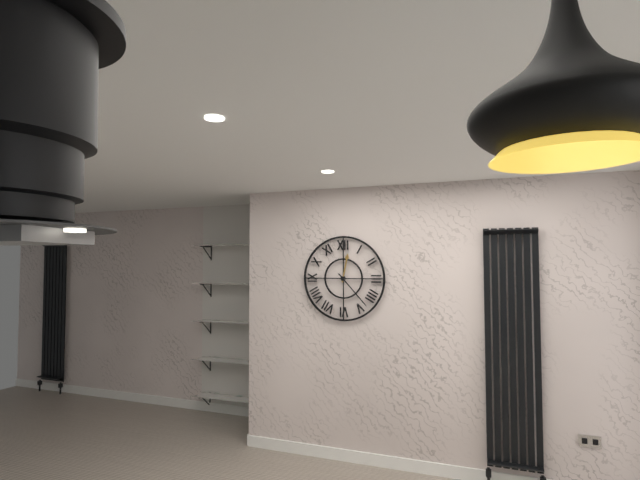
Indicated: 12:23
